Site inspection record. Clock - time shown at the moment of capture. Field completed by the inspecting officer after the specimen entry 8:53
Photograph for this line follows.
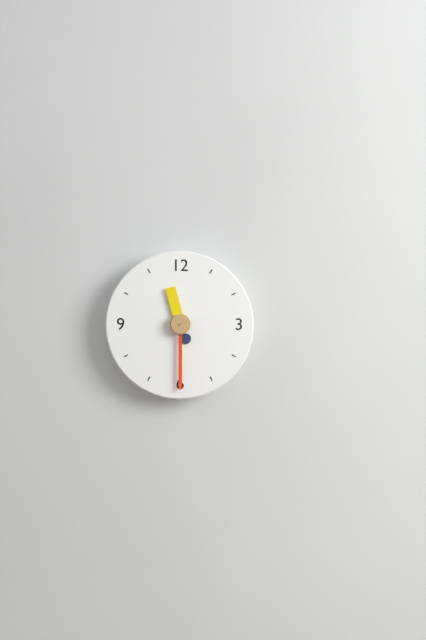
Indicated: 11:30
